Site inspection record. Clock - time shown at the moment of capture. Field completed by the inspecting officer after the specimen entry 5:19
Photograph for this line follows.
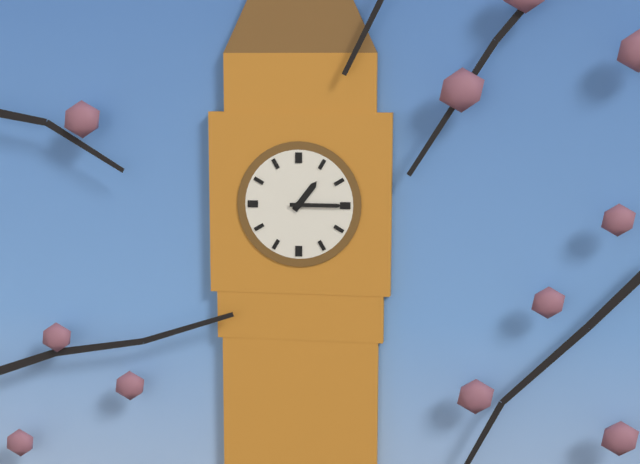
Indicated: 1:15
